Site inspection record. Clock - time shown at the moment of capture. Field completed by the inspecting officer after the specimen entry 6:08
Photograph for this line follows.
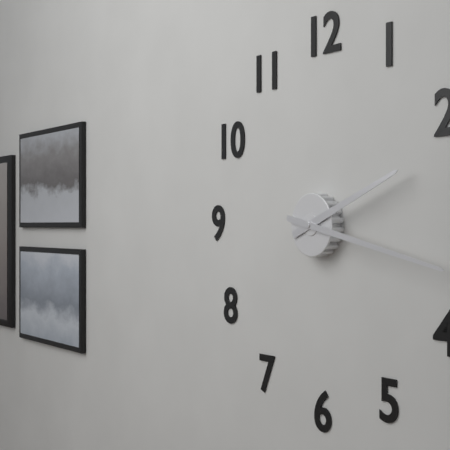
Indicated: 2:17
